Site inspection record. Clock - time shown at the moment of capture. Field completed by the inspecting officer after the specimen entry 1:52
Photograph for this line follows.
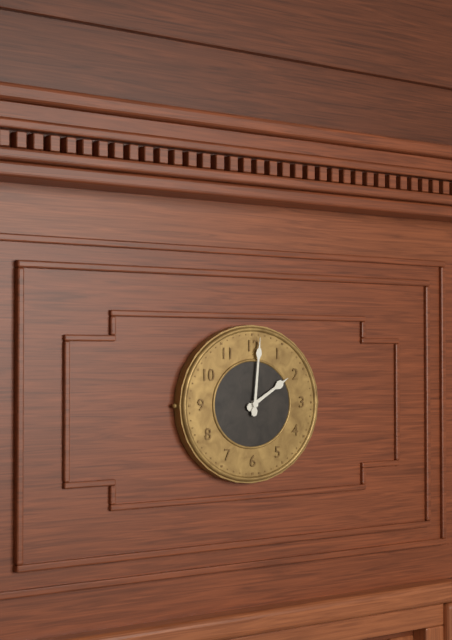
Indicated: 2:01
